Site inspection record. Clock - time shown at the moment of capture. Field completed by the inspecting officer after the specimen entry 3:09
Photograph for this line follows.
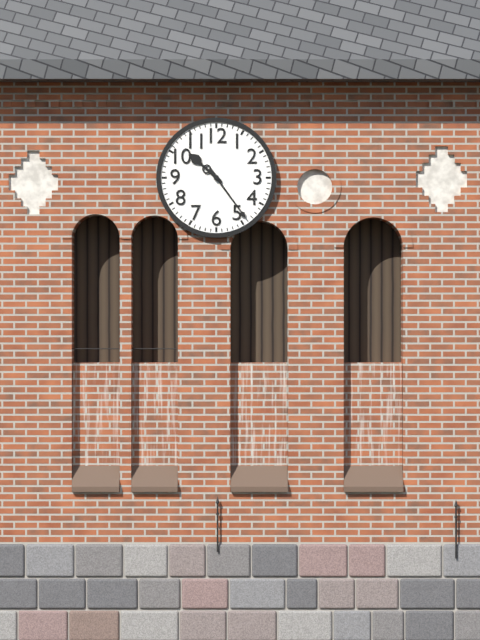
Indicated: 10:24
